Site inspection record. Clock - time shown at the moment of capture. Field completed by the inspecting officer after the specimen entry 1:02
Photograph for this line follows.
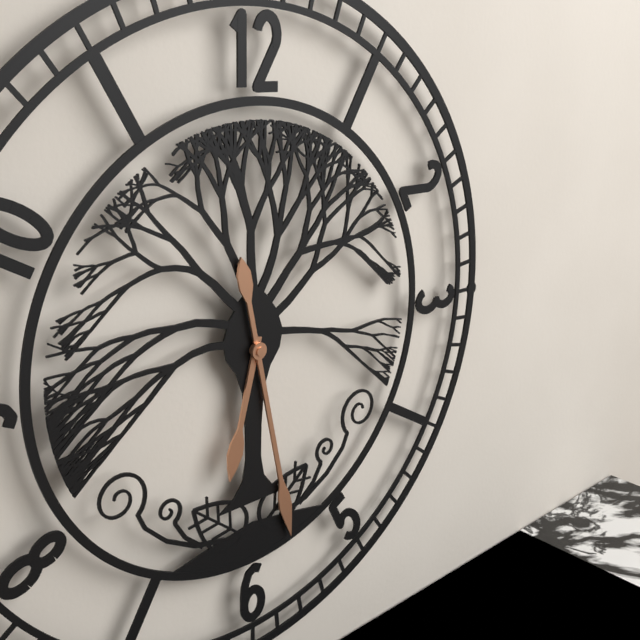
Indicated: 6:28
